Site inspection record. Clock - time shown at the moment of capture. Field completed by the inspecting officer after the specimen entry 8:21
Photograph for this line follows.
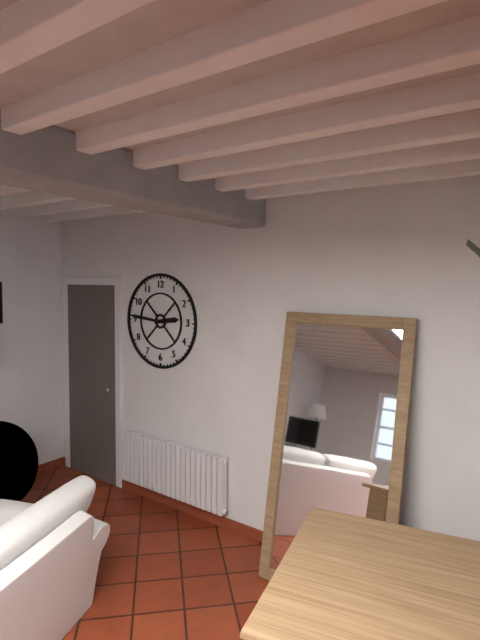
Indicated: 2:46
